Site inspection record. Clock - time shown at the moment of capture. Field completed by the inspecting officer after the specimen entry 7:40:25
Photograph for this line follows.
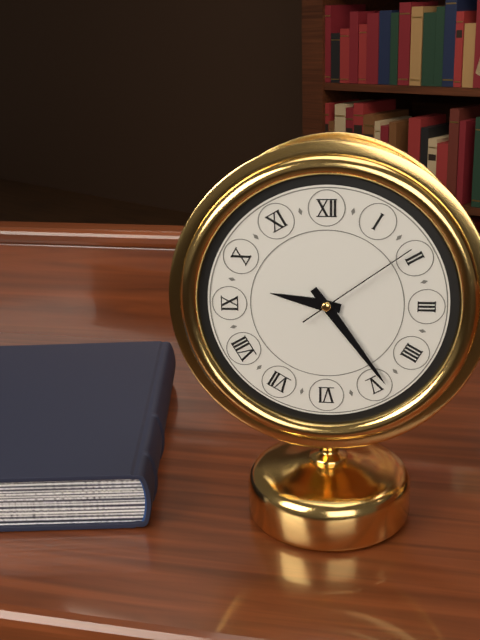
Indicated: 9:24:09
